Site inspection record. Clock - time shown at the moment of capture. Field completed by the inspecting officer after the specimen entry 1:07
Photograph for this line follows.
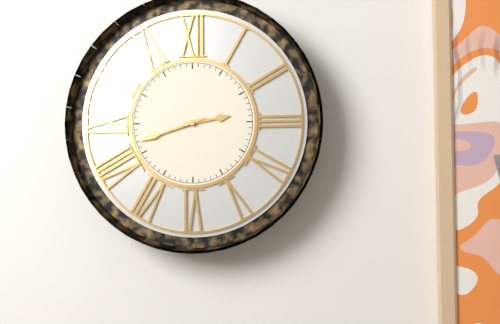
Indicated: 2:42
